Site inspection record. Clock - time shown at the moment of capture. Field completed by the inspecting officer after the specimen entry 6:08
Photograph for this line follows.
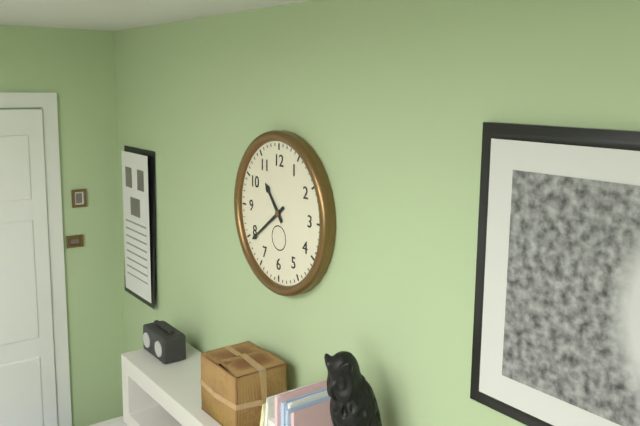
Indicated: 10:39
